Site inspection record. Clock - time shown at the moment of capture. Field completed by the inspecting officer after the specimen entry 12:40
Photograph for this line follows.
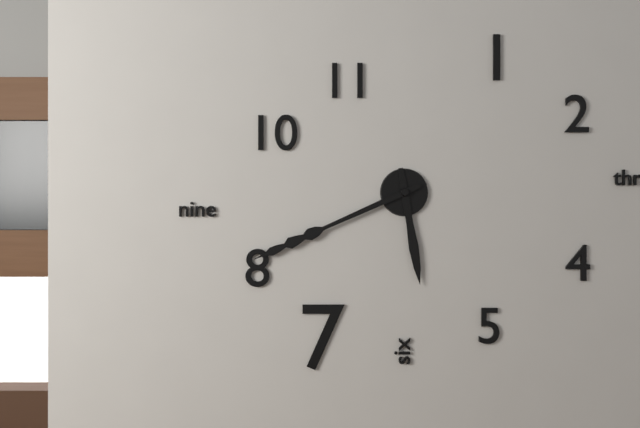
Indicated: 5:41
